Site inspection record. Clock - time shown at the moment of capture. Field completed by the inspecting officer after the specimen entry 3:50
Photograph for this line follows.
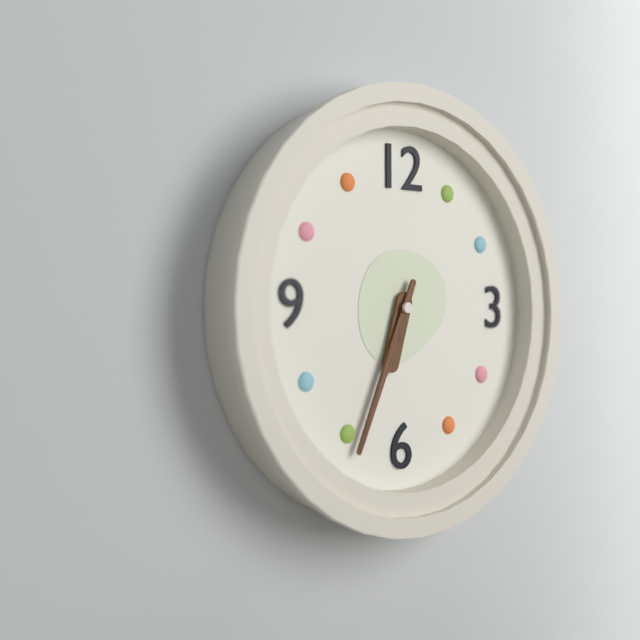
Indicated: 6:34
